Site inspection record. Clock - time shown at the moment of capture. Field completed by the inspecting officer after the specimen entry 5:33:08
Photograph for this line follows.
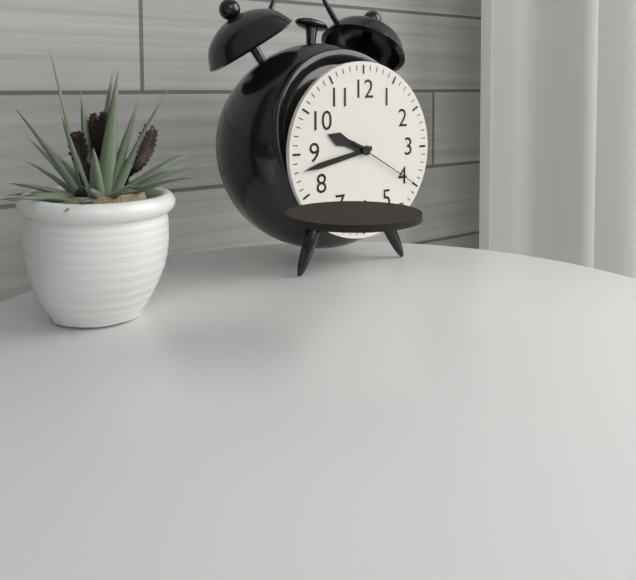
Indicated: 9:43:20
